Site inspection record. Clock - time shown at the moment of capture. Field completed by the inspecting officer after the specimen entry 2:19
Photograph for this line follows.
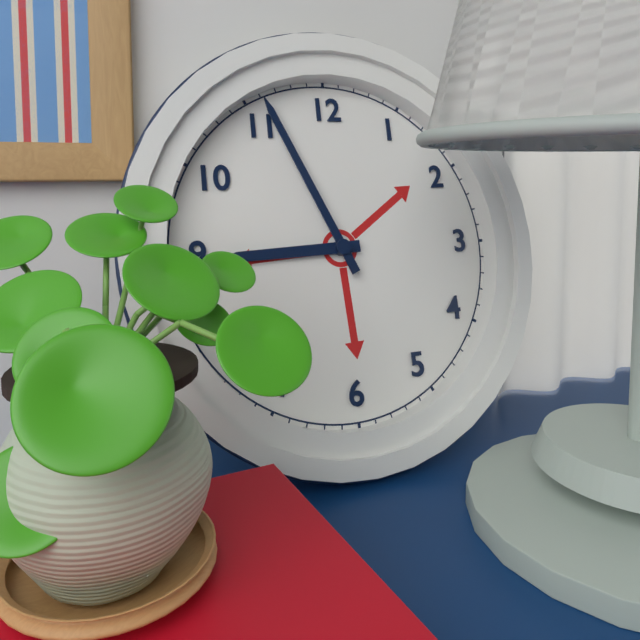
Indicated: 8:56
